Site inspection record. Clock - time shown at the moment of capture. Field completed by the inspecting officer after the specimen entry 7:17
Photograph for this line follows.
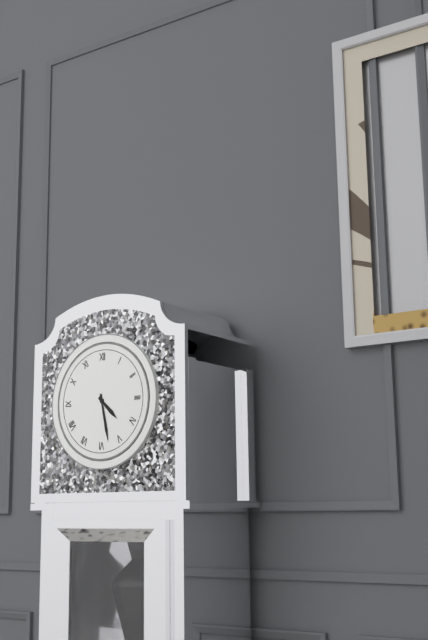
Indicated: 4:28
